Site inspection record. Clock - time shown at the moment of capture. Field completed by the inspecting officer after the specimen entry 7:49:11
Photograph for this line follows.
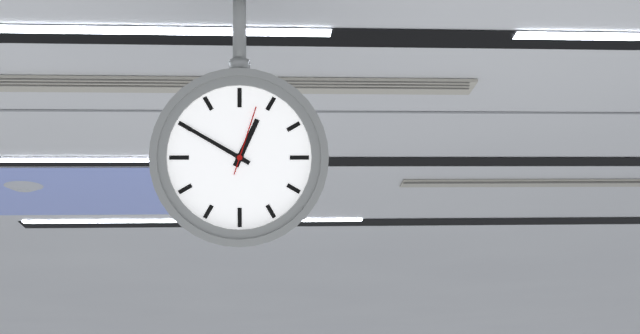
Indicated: 12:50:03
